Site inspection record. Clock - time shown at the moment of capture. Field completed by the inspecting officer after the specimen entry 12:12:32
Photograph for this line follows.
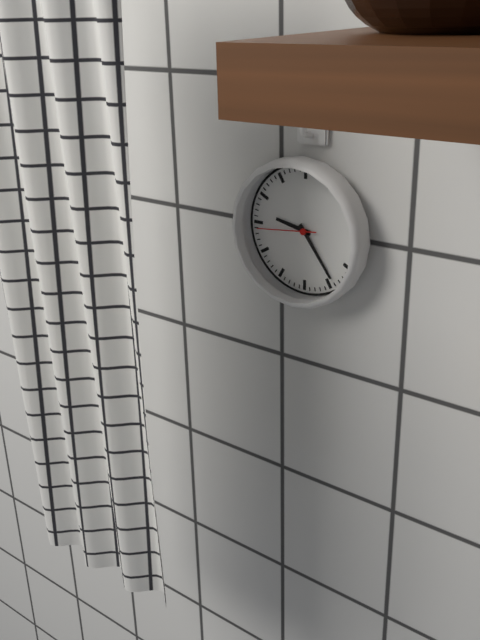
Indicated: 9:24:44
